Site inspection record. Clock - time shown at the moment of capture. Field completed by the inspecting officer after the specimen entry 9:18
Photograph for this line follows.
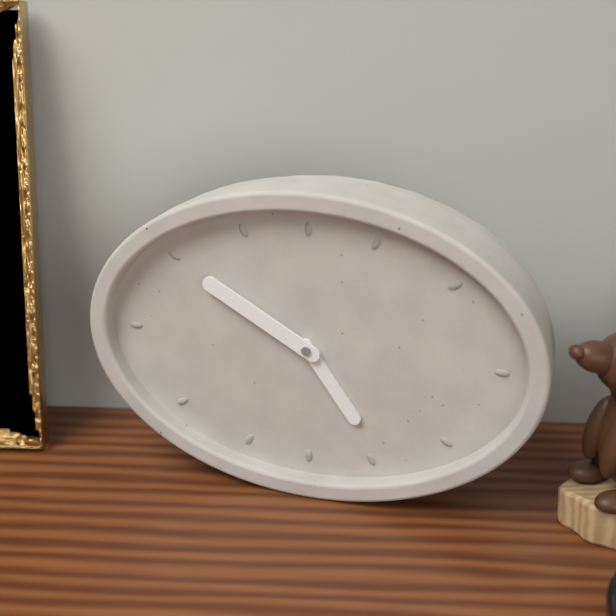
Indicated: 4:50
